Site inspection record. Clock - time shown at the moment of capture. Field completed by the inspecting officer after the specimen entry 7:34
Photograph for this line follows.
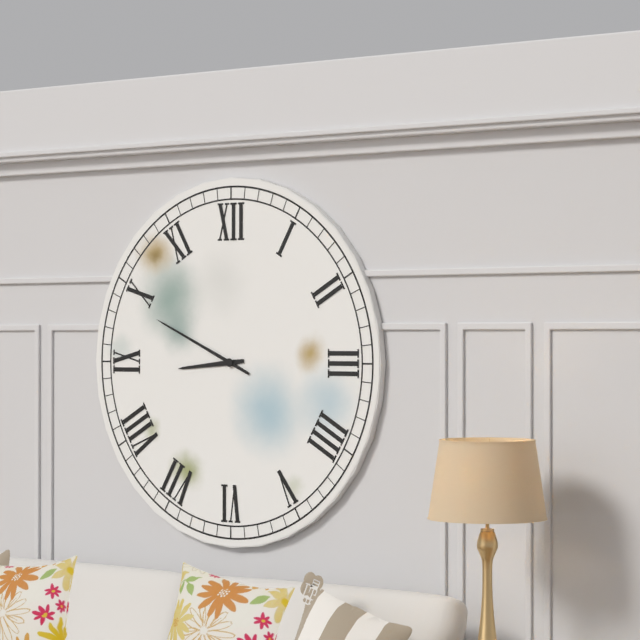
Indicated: 8:49
